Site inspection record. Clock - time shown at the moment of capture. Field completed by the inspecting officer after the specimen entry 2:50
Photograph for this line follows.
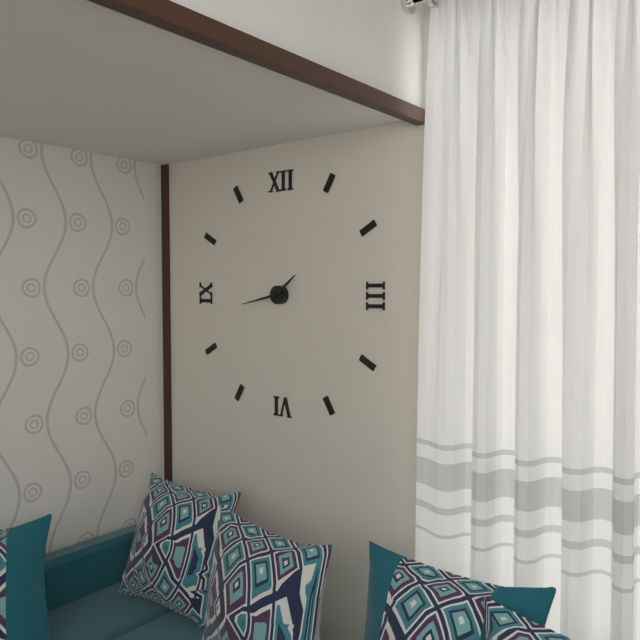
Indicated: 1:43
